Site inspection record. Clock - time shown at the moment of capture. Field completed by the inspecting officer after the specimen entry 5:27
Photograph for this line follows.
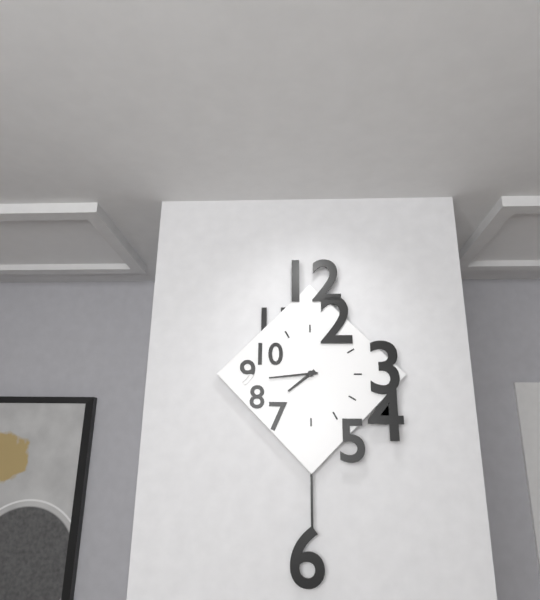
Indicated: 7:44
